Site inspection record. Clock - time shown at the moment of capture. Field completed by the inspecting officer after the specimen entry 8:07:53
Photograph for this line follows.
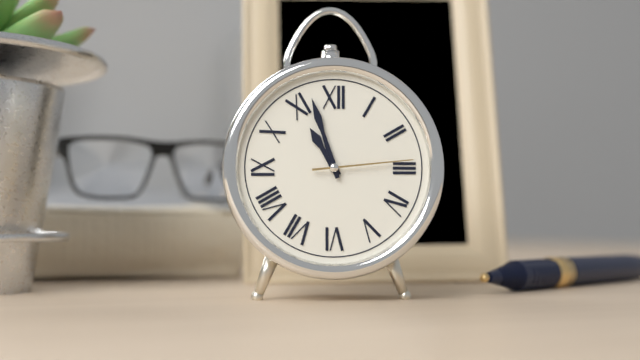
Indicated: 10:57:14
